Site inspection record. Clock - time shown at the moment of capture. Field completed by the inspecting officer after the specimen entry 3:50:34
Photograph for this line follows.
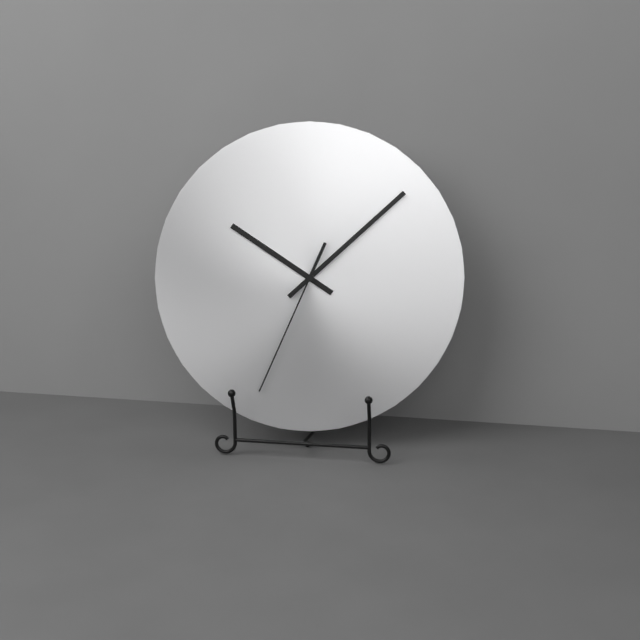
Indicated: 10:08:34
